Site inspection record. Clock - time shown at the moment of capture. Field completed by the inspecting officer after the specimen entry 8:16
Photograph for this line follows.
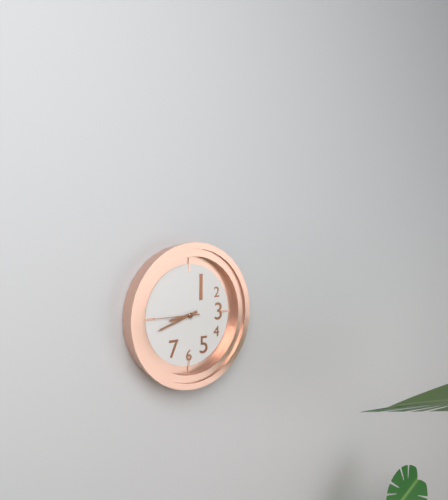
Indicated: 8:42
